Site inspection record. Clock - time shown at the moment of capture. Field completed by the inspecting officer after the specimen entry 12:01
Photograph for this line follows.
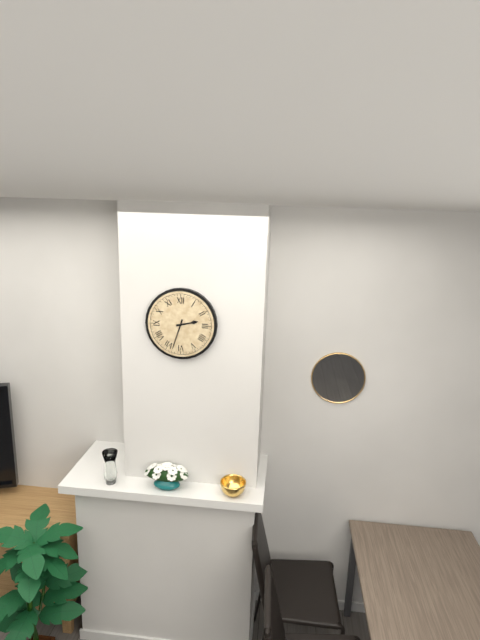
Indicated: 2:33
